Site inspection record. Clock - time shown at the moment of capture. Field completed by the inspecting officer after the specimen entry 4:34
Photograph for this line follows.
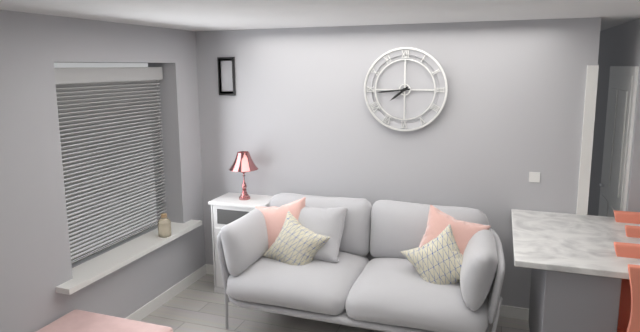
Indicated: 7:44
